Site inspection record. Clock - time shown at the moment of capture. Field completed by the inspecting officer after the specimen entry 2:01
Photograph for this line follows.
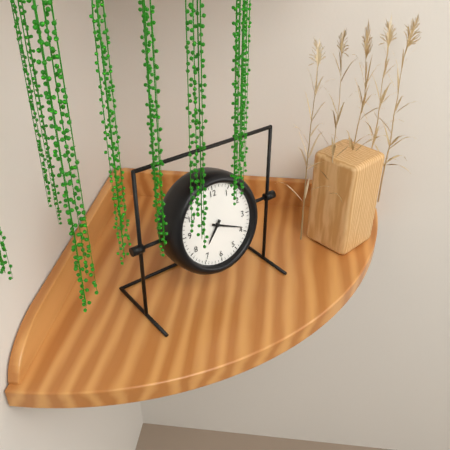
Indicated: 7:19
